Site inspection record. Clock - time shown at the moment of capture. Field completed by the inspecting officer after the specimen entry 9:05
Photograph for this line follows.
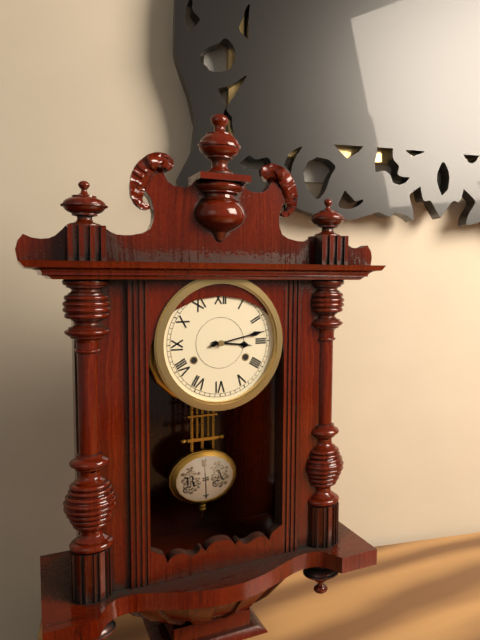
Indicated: 3:13
